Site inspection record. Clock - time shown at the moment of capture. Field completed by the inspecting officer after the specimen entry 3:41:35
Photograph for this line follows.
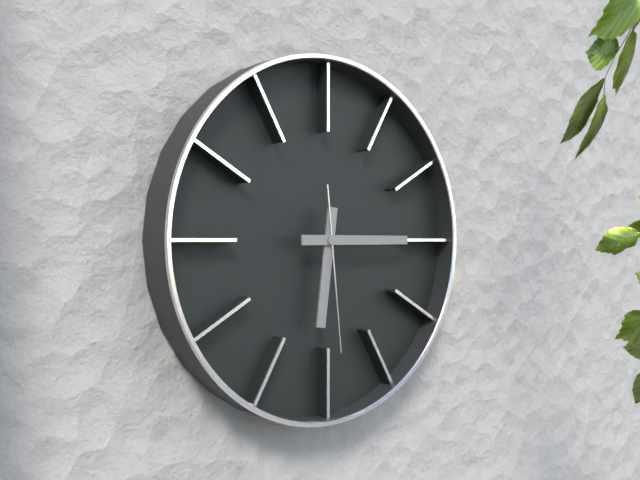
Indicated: 6:15:29
